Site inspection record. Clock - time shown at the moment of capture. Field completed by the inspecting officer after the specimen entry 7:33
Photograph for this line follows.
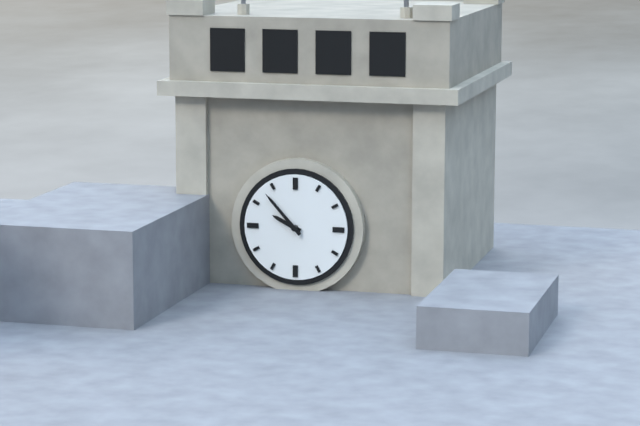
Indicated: 9:53
